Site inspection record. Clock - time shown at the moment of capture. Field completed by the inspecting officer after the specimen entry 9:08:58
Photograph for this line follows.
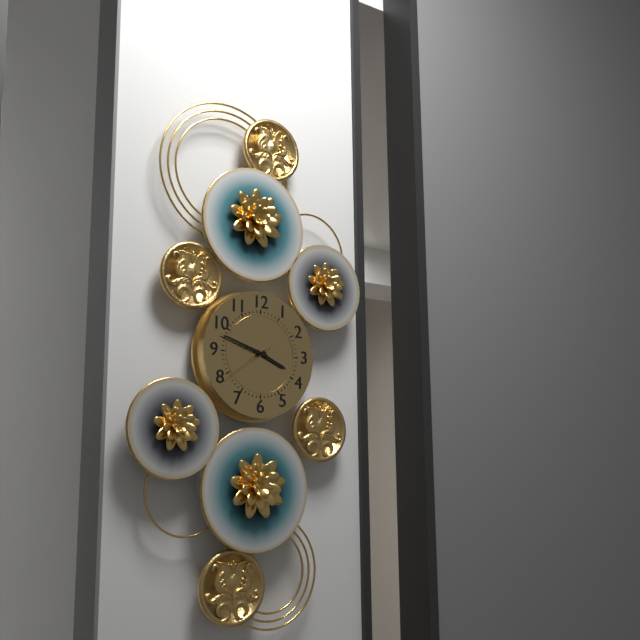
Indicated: 3:48:39
